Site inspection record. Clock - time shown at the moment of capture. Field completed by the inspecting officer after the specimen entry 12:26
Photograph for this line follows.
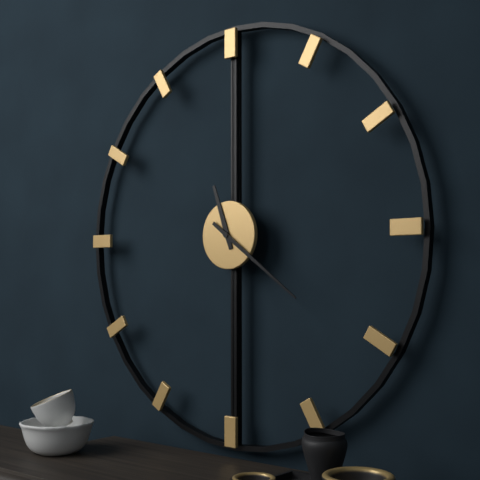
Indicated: 11:21
